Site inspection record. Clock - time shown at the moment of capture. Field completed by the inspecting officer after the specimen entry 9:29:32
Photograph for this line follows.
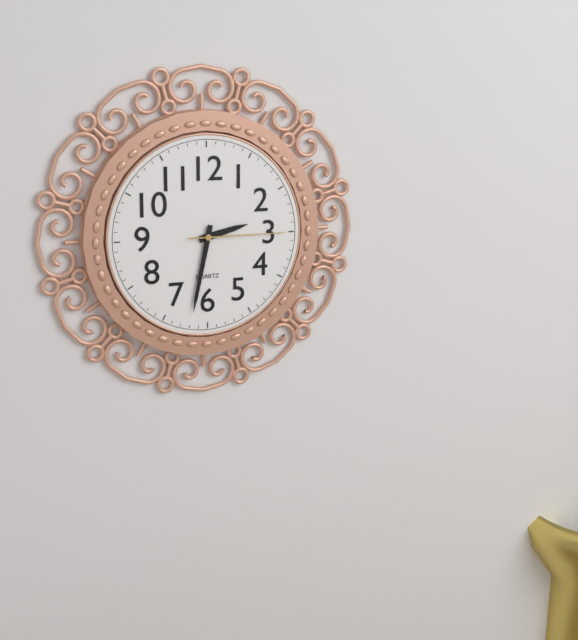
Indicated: 2:32:15
